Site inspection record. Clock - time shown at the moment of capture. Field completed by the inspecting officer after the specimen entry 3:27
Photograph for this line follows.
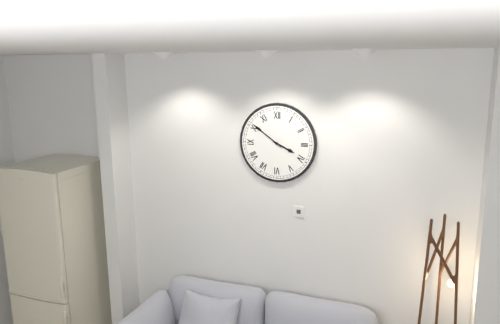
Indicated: 3:51
